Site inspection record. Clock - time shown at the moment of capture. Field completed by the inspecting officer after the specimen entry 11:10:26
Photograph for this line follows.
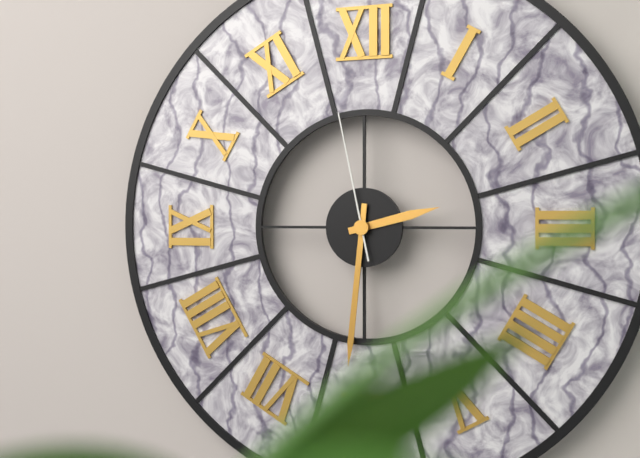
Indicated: 2:31:58
